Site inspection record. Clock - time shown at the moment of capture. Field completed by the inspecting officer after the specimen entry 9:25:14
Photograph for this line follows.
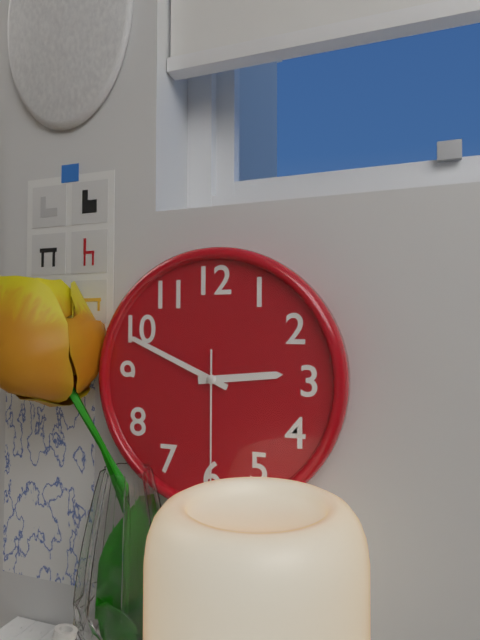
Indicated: 2:49:30
